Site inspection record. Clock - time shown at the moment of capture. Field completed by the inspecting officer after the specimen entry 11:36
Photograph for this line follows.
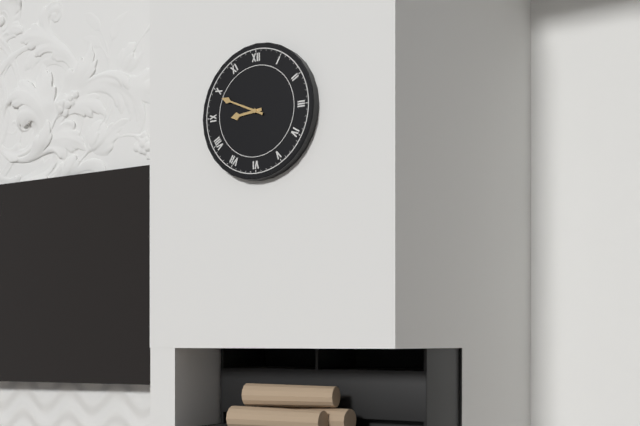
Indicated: 8:49
